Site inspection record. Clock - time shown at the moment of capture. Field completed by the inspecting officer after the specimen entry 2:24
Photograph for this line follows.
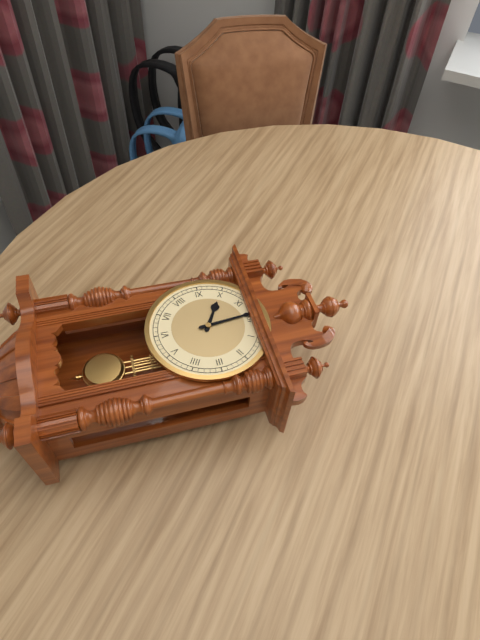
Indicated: 9:59
